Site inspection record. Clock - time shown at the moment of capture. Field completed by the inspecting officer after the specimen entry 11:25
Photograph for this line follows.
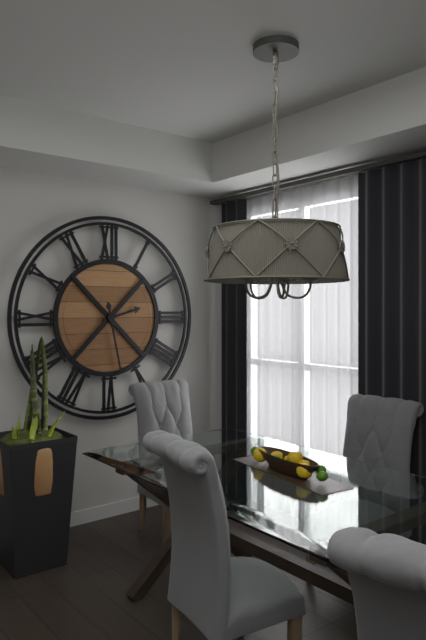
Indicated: 2:28
